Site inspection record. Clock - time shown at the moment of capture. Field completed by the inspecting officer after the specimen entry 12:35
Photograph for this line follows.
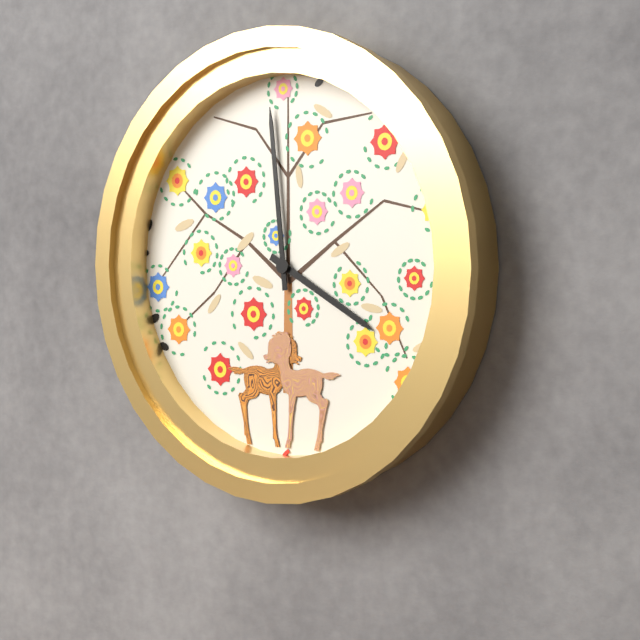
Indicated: 3:59
